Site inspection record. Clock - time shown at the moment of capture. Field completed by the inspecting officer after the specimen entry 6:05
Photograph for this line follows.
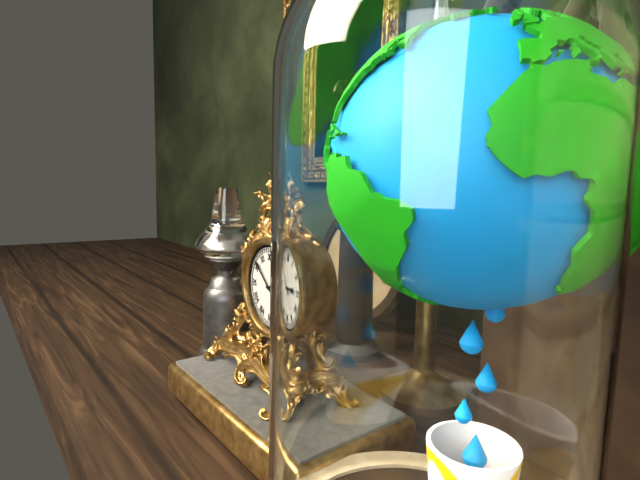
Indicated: 2:52
